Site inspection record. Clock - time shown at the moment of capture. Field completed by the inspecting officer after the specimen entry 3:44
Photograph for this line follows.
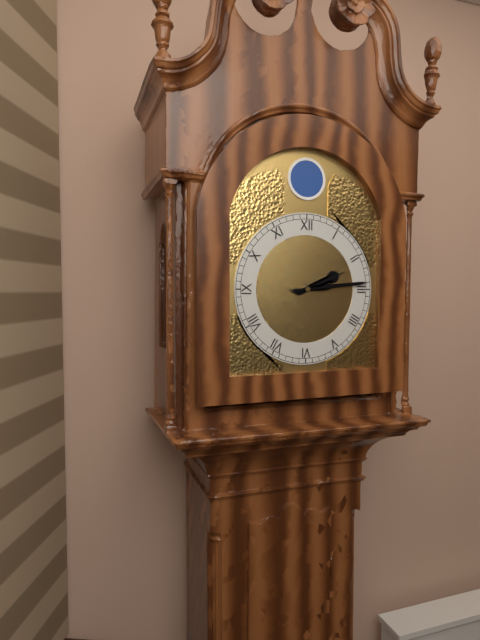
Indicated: 2:14
